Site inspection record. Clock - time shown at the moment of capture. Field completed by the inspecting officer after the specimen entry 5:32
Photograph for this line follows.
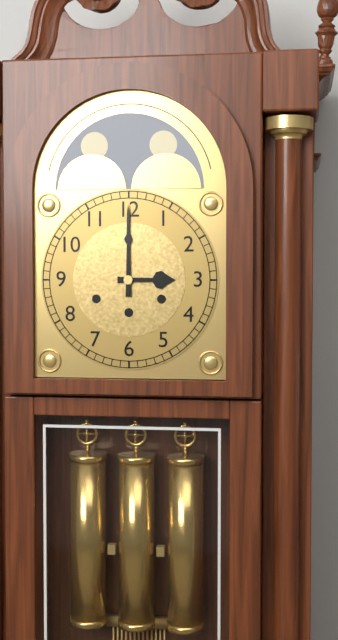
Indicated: 3:00
